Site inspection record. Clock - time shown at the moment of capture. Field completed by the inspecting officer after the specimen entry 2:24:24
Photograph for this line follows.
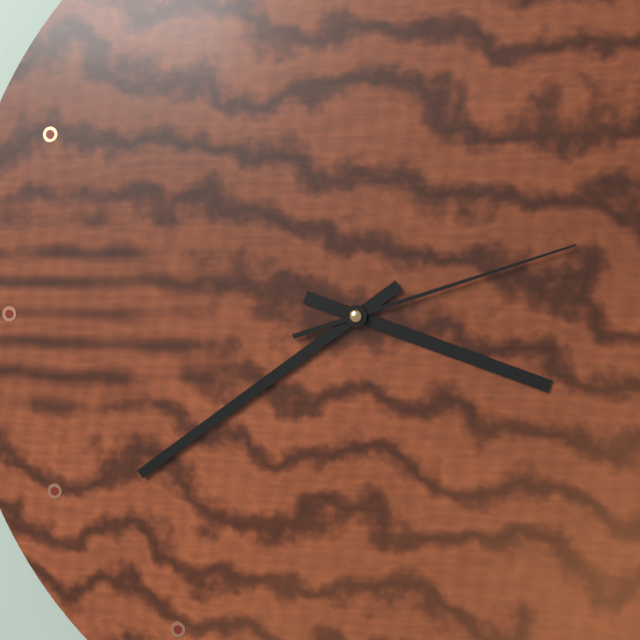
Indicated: 3:39:12
